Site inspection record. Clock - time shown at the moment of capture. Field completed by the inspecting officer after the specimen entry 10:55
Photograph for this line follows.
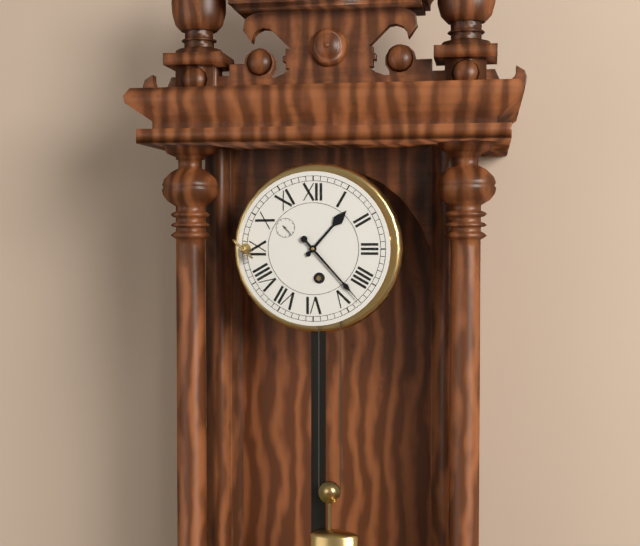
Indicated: 1:23
